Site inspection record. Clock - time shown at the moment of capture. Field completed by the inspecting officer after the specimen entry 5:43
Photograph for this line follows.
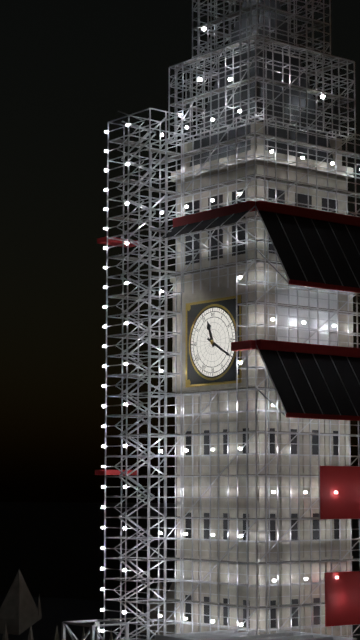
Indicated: 11:20
